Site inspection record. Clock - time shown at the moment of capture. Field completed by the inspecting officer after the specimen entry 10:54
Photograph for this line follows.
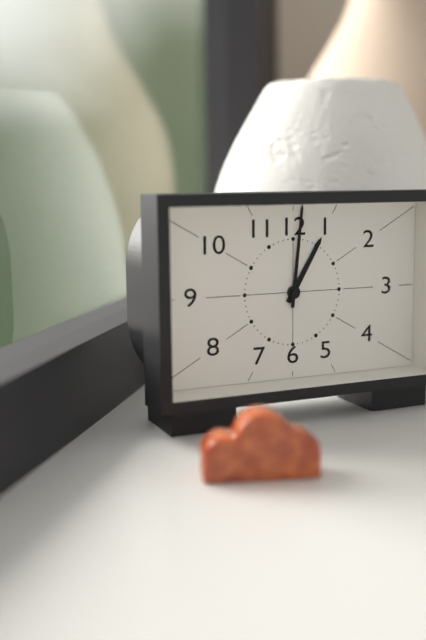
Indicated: 1:01
